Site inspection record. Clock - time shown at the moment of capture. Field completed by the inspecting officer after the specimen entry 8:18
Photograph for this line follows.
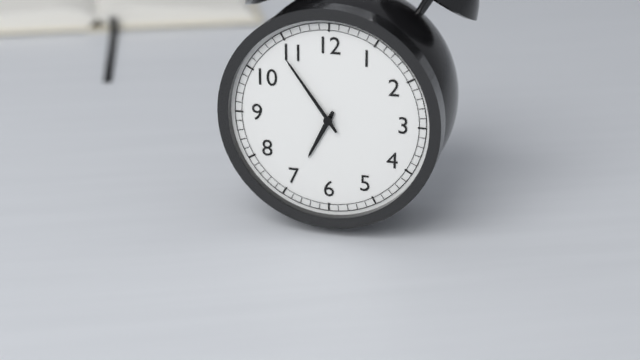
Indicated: 6:54
